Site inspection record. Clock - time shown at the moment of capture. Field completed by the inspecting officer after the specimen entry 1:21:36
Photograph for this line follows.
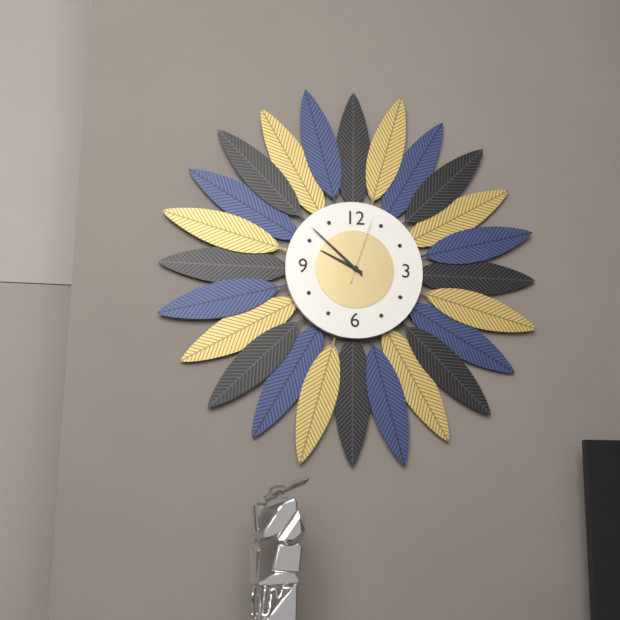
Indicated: 9:52:03
